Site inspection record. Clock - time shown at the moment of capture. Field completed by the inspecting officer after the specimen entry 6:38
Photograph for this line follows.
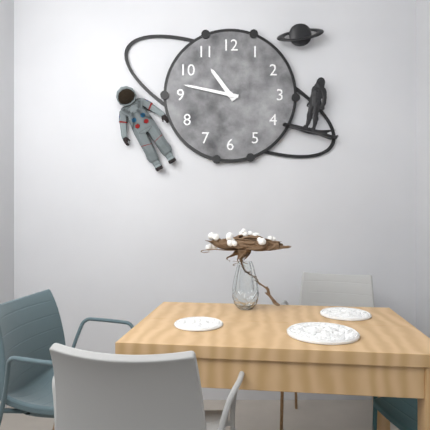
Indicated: 10:47
